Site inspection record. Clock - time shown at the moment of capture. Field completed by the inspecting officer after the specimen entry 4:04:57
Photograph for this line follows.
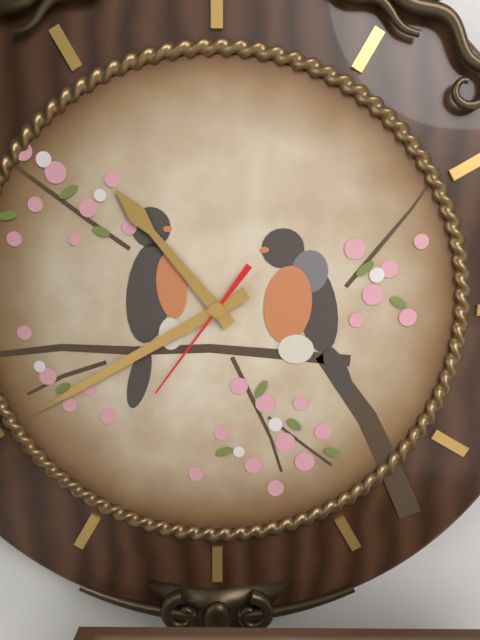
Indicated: 10:40:36
